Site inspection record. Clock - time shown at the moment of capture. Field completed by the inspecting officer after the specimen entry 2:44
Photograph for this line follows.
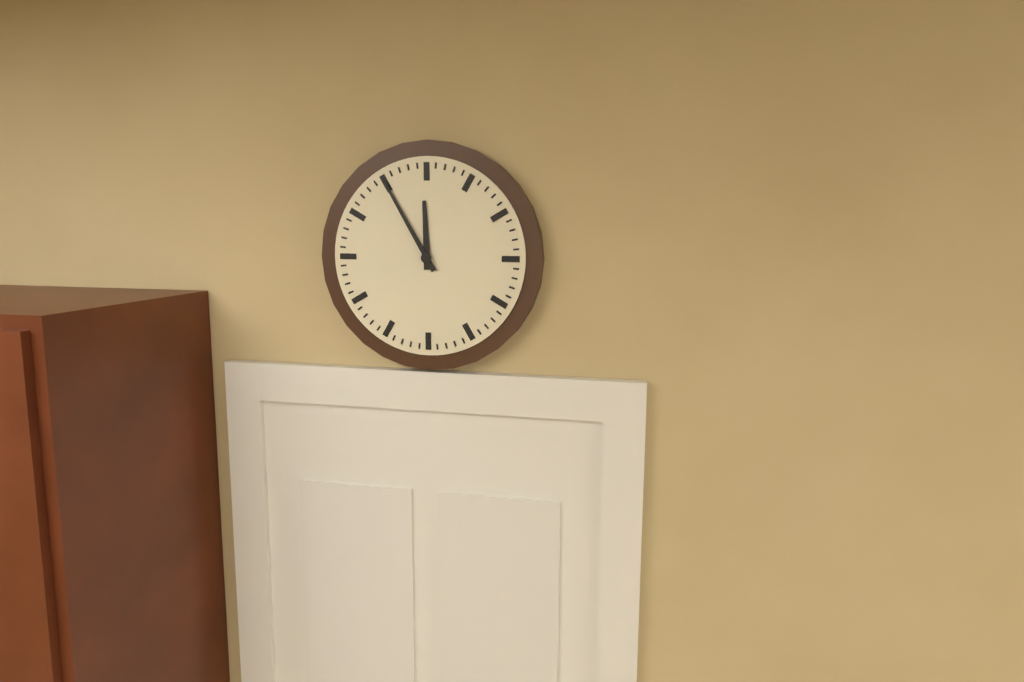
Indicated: 11:55
